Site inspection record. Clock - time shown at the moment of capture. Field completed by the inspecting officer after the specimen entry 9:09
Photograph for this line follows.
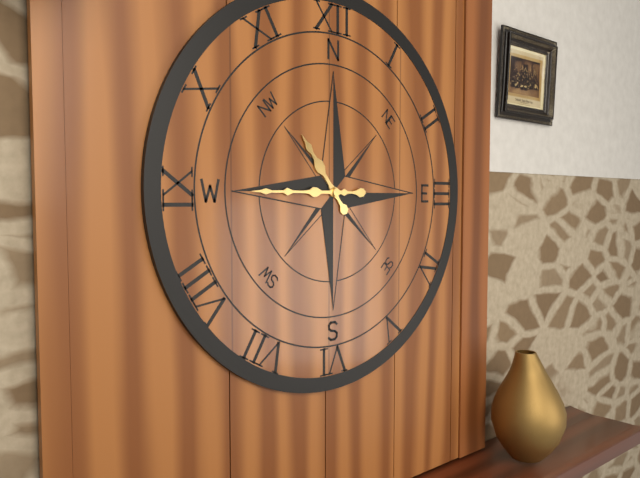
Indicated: 10:45
